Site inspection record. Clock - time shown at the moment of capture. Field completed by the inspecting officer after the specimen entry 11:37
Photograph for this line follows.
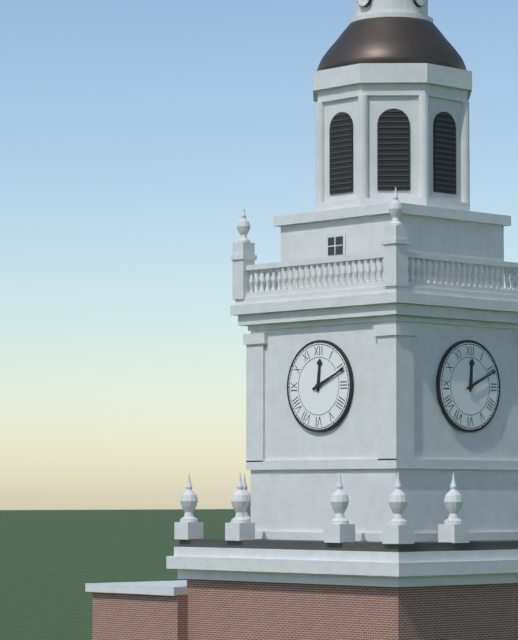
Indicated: 12:11
